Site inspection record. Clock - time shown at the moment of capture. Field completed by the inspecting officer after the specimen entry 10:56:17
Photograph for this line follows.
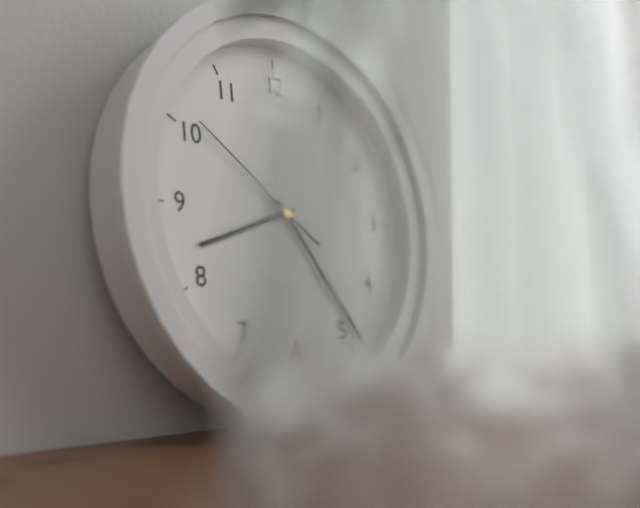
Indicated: 8:24:51
